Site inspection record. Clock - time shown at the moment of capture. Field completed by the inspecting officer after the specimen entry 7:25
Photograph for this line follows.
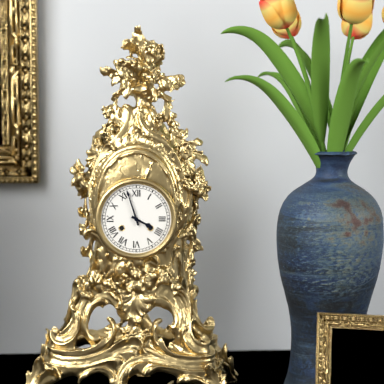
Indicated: 3:57
